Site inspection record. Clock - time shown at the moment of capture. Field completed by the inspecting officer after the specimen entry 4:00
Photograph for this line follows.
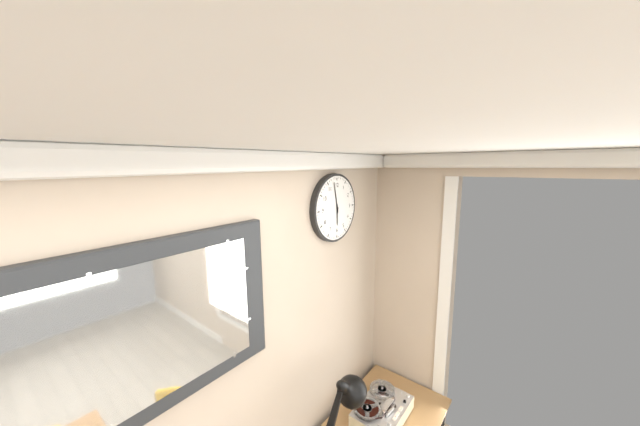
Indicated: 5:58
